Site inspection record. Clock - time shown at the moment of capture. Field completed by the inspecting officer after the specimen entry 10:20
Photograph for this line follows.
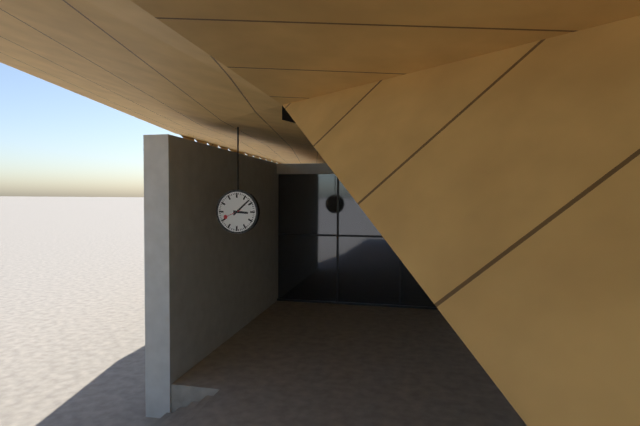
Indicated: 3:08
